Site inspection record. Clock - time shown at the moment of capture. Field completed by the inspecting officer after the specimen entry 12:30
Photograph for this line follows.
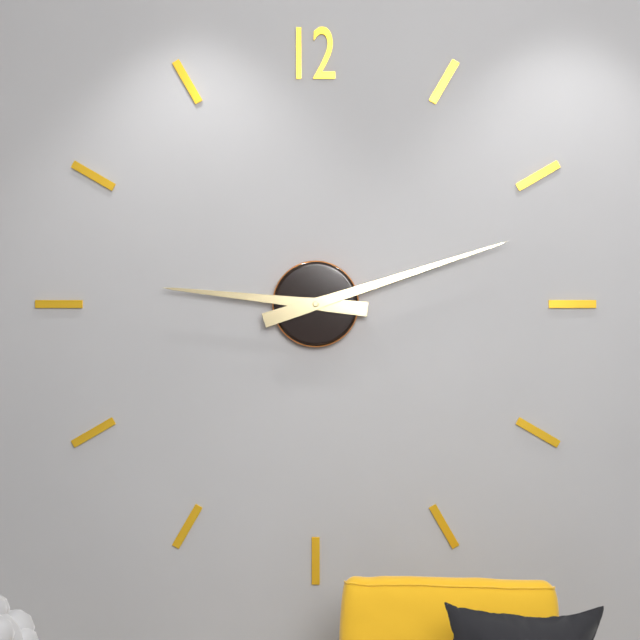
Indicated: 9:12
